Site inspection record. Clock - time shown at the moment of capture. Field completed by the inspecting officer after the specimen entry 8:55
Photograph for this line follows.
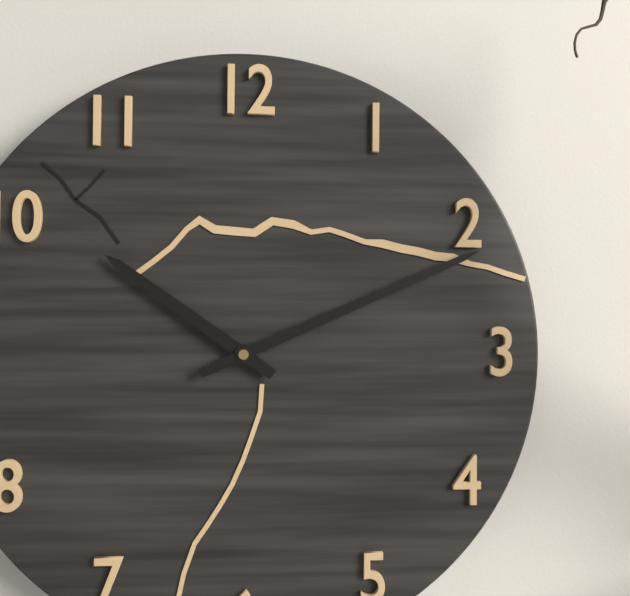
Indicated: 10:11
